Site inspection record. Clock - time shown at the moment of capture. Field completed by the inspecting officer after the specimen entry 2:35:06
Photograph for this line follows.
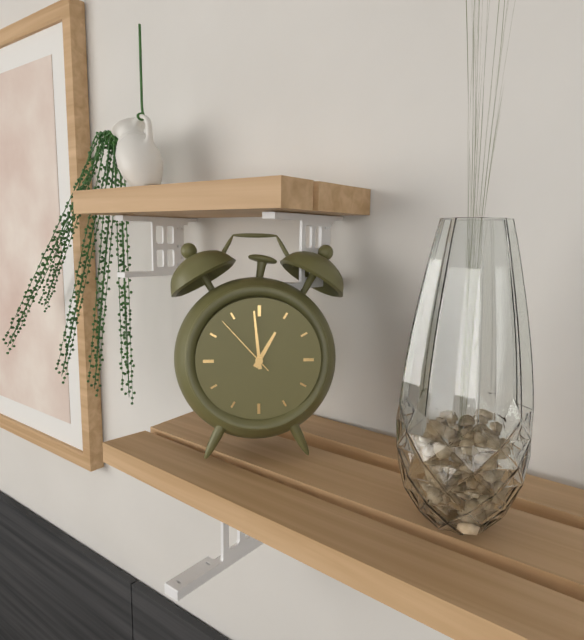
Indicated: 12:59:53
